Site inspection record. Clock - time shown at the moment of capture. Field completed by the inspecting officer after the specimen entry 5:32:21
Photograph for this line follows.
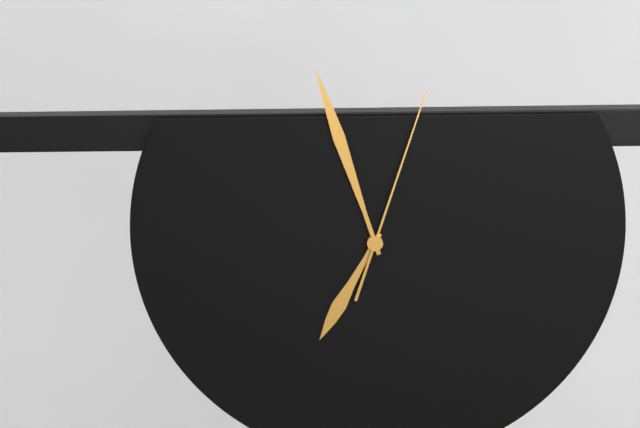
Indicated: 6:57:03
